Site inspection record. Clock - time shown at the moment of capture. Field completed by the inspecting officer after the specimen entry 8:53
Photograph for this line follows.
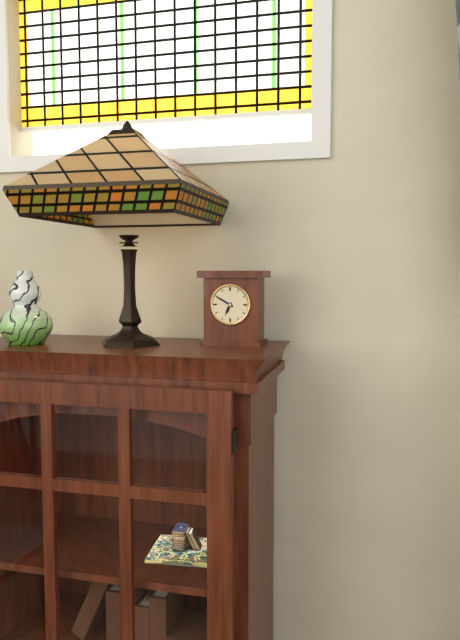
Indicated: 6:50
